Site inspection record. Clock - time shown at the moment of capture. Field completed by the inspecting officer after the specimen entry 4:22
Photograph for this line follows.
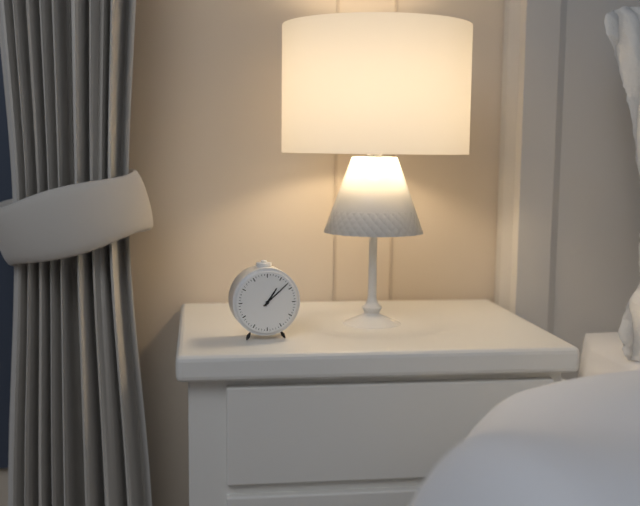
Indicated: 1:08
